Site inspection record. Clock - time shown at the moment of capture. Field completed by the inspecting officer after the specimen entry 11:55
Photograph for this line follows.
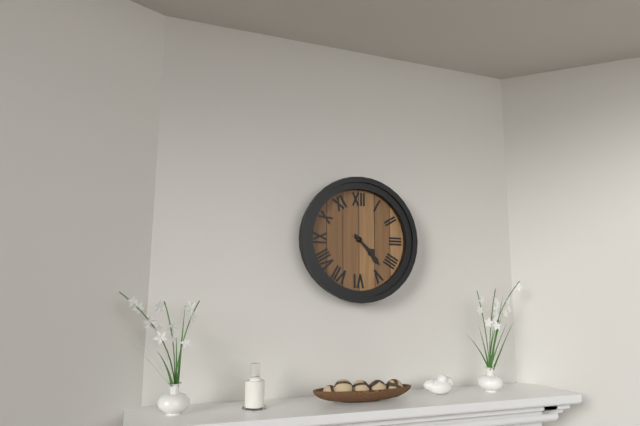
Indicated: 4:23
